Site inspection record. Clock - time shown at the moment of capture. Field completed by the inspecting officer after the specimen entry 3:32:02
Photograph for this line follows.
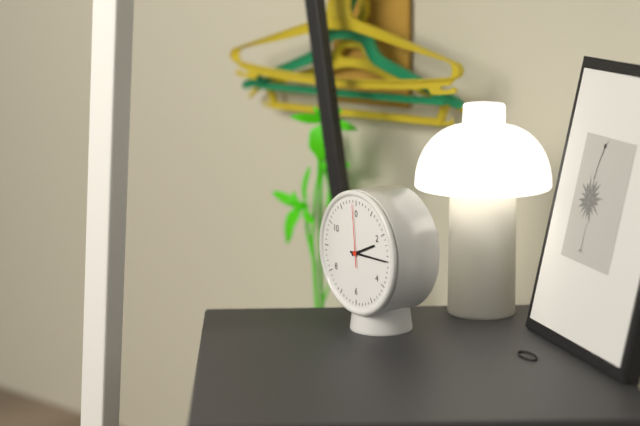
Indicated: 2:15:59
